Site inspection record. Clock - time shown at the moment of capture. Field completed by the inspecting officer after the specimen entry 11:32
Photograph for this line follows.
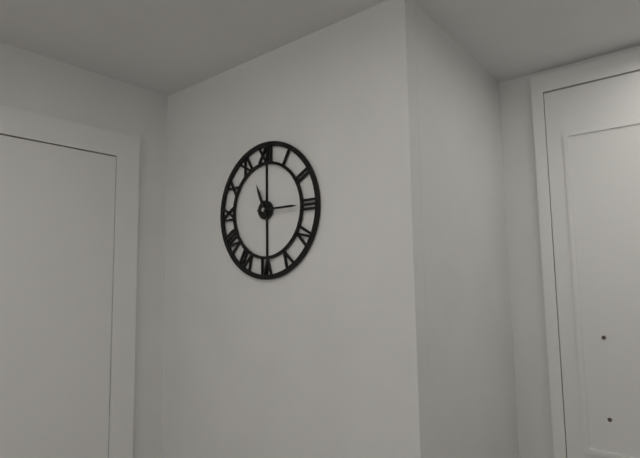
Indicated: 11:15
